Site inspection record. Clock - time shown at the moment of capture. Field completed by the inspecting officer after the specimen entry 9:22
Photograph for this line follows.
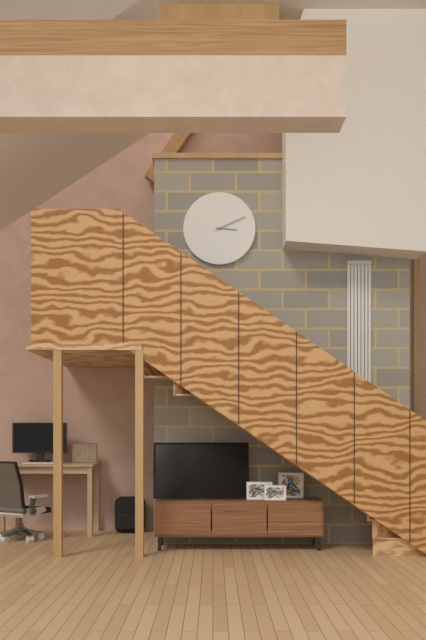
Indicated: 3:11
